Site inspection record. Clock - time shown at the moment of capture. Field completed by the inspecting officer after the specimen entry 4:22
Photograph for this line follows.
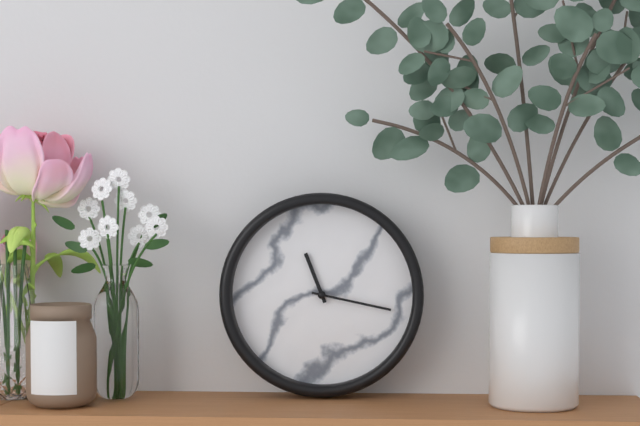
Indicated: 11:17
